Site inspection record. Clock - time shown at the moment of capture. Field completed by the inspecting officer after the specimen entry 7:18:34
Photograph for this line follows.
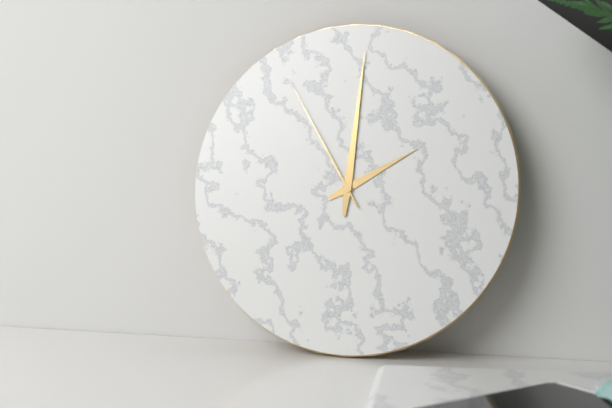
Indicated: 2:01:55
